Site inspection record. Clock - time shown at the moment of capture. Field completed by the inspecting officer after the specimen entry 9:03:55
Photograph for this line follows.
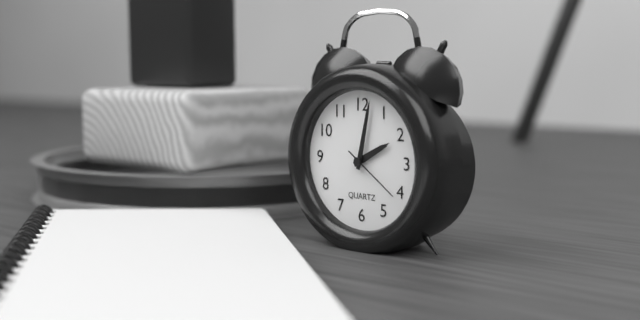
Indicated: 2:02:21
